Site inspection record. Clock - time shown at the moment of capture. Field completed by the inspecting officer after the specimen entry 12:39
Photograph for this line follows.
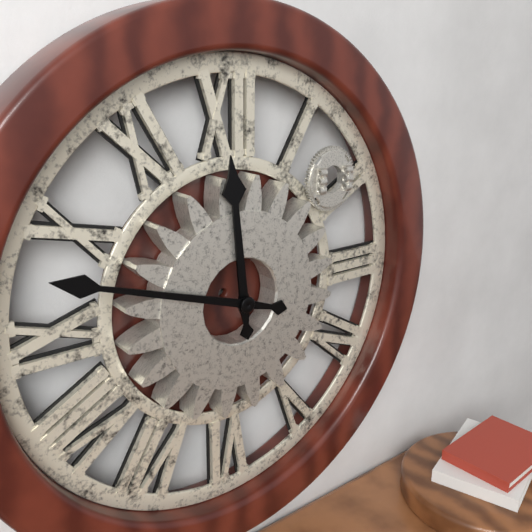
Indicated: 11:48
